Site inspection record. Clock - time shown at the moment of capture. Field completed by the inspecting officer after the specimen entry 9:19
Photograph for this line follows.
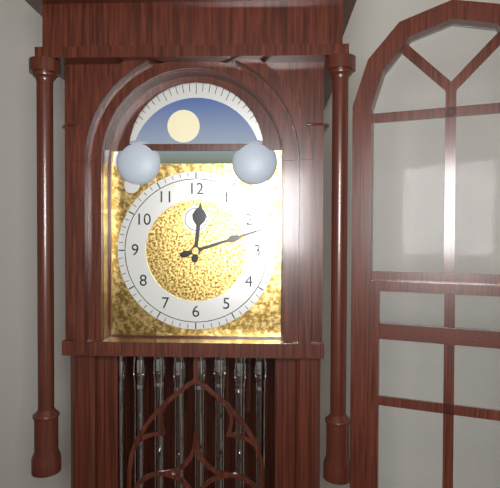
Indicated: 12:12
